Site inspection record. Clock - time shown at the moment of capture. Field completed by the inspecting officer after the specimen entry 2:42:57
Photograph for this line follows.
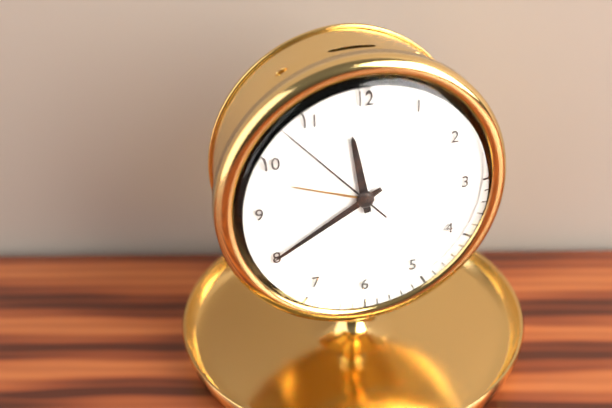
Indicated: 11:40:53
